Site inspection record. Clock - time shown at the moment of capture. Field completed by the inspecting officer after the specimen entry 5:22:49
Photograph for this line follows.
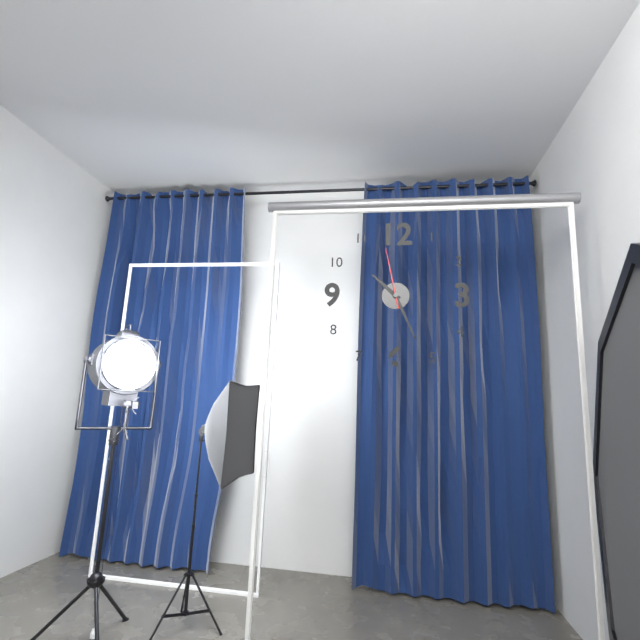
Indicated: 10:26:58
